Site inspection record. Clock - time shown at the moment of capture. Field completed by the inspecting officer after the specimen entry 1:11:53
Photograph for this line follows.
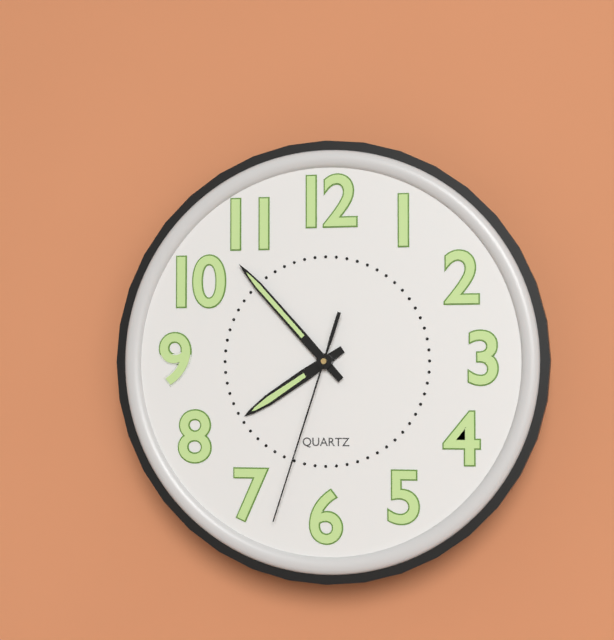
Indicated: 7:53:33
